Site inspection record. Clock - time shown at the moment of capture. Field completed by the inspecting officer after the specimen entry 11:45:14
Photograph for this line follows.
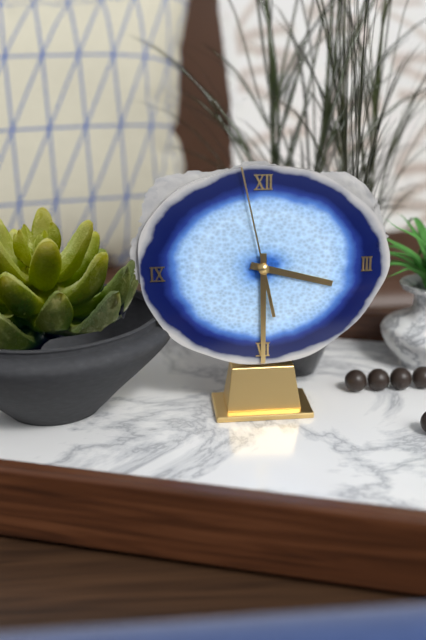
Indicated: 3:30:58
